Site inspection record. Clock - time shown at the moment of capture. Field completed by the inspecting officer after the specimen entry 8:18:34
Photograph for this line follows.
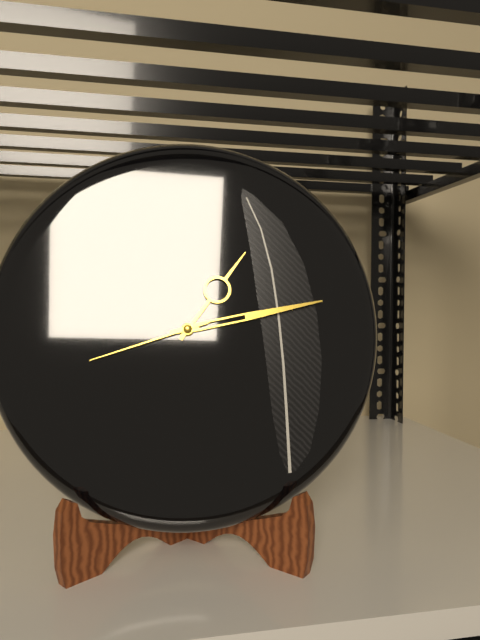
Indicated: 1:13:42
